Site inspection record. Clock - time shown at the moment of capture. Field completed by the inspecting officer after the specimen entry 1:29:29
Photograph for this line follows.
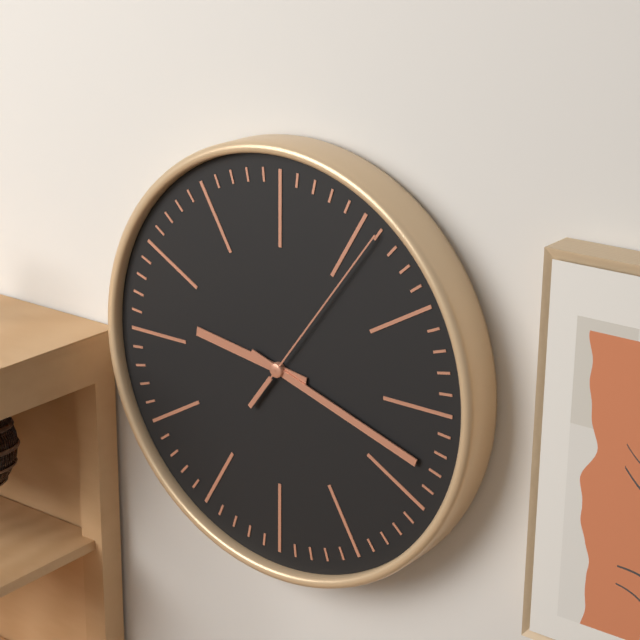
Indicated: 9:18:06
